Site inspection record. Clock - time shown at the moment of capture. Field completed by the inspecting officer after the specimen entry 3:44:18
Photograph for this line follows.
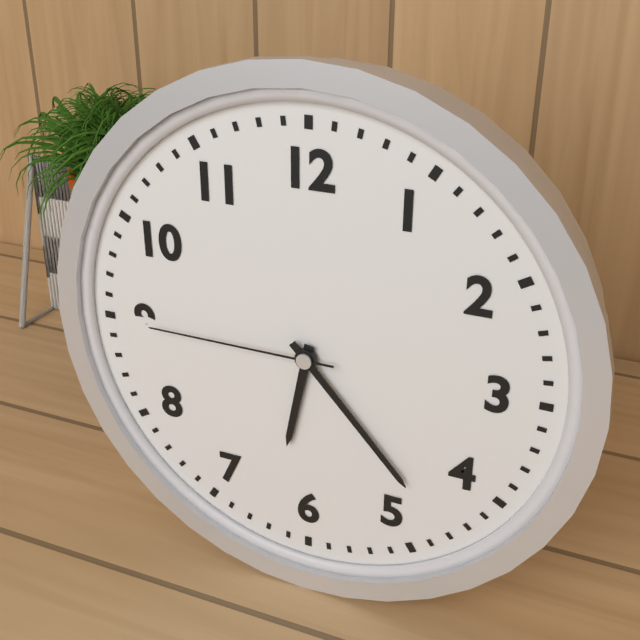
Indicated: 6:23:45
